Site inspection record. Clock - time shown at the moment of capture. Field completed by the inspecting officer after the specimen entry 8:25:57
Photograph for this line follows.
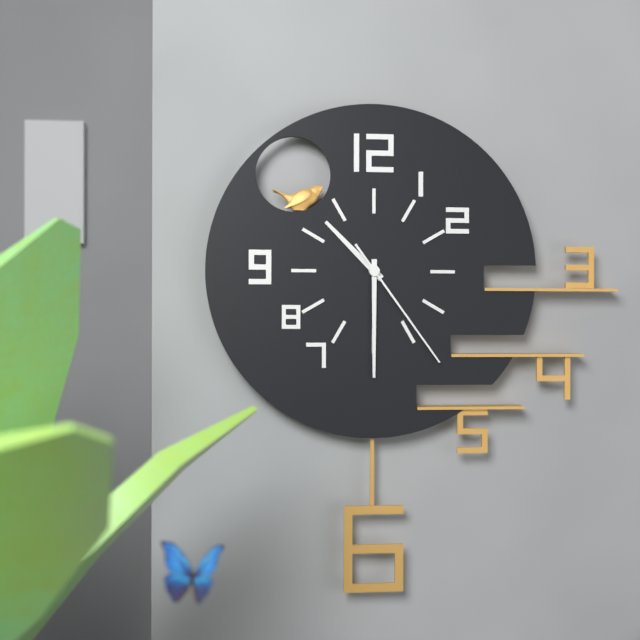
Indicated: 10:30:24
